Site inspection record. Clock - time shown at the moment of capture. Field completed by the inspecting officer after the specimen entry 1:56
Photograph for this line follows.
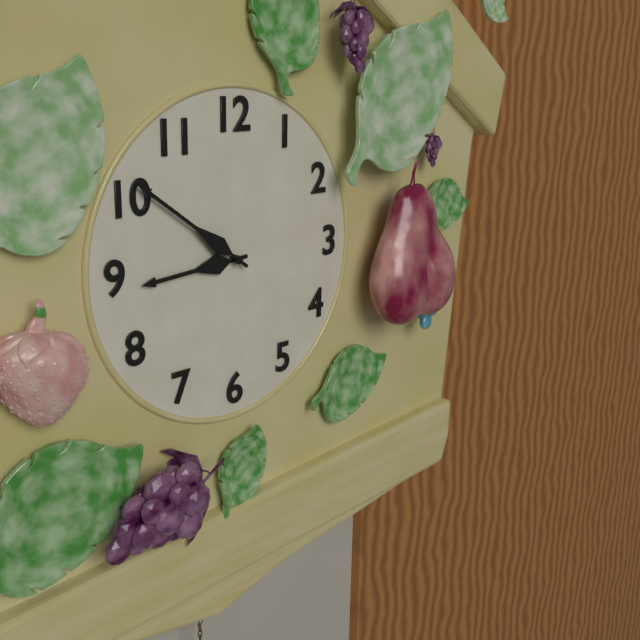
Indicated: 8:51
